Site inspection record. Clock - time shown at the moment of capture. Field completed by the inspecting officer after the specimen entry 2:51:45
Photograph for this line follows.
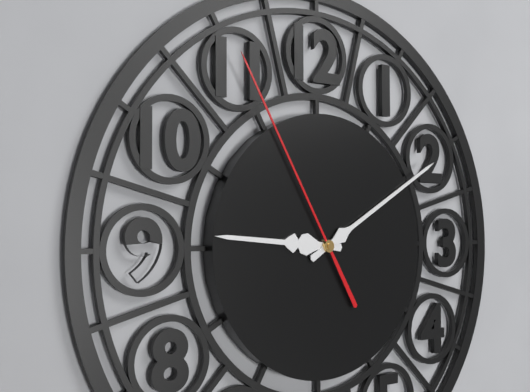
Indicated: 9:10:55
